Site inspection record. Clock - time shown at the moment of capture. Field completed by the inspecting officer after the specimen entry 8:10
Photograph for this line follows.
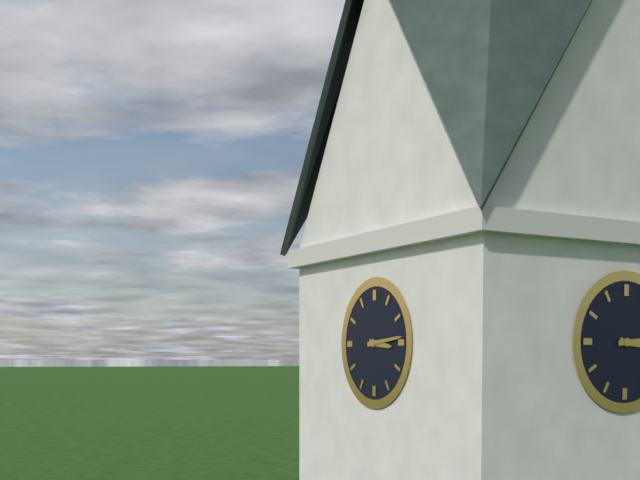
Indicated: 3:14
